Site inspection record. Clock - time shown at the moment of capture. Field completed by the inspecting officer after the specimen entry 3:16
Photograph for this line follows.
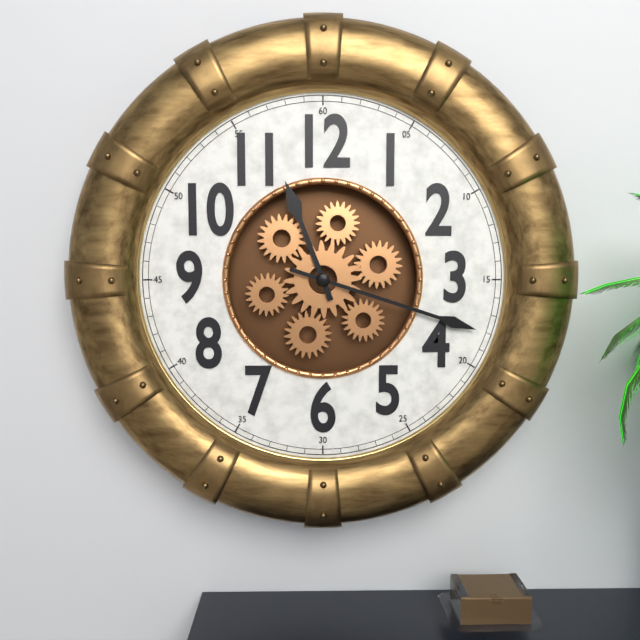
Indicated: 11:18
